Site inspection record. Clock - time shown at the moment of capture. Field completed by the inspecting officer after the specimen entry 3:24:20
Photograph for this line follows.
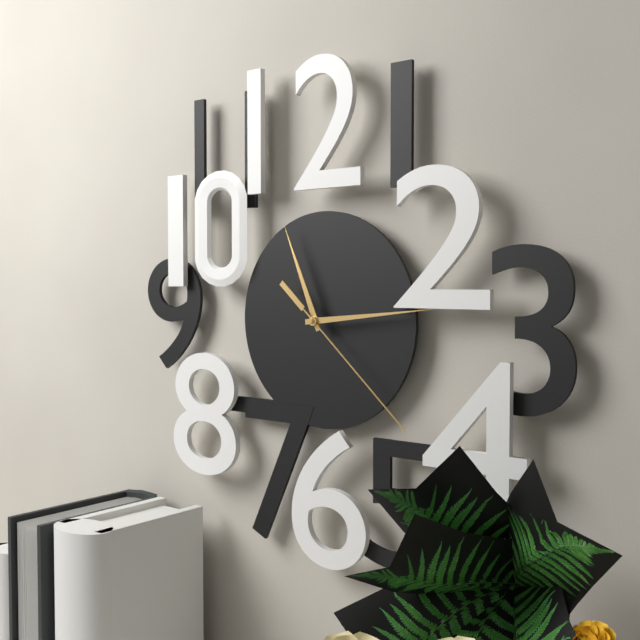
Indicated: 11:14:22
